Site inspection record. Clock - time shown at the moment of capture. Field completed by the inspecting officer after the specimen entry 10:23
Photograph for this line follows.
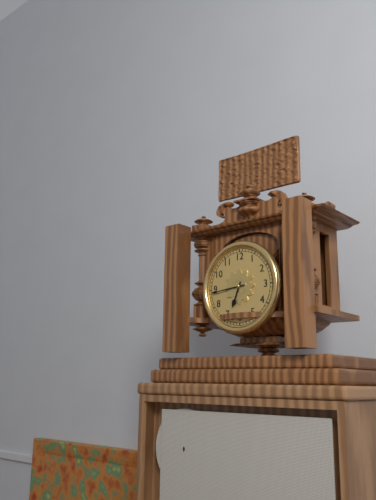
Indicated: 6:44
